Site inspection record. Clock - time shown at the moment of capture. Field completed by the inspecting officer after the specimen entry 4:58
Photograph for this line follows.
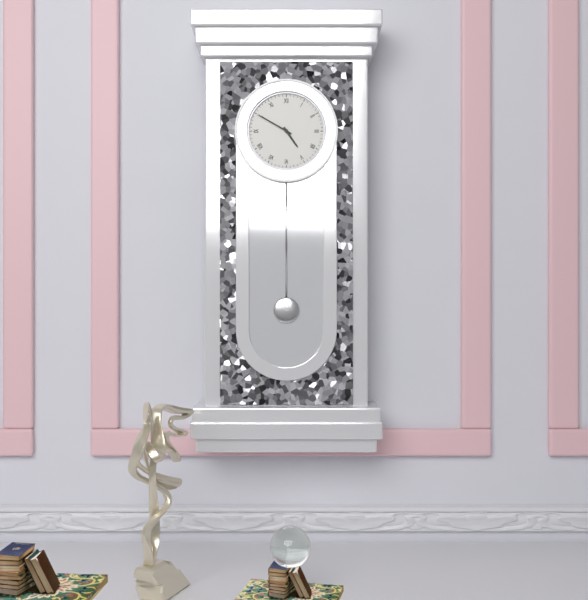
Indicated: 4:50
